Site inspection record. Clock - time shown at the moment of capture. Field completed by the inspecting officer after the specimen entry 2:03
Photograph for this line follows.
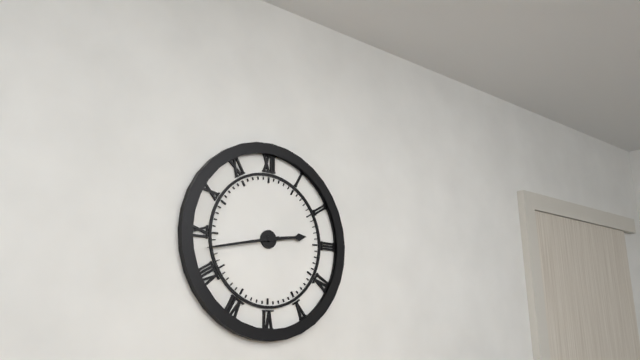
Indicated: 2:43
